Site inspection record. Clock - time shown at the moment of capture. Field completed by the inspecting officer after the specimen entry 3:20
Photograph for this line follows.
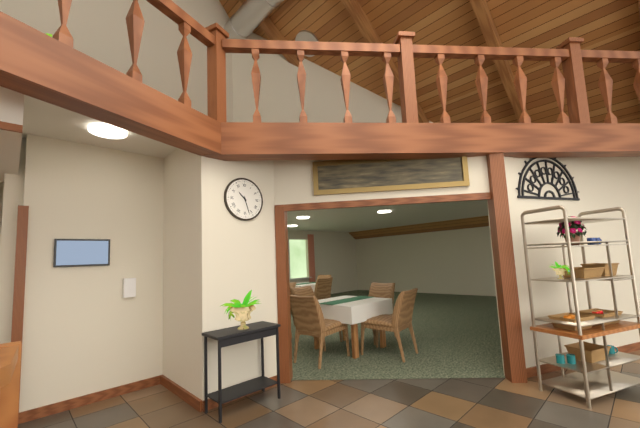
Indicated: 10:27
